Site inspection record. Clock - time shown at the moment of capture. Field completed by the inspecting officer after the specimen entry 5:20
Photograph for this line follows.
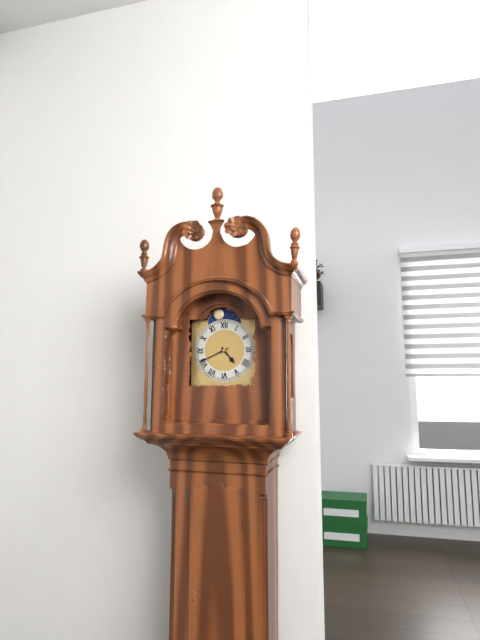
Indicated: 4:41
